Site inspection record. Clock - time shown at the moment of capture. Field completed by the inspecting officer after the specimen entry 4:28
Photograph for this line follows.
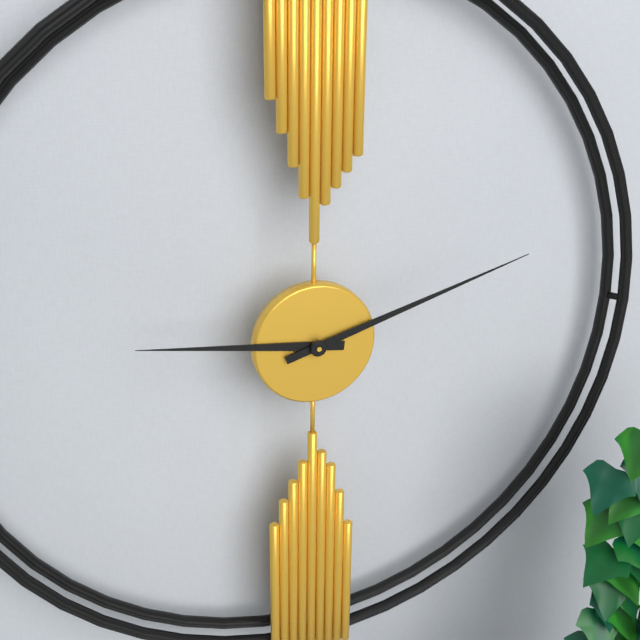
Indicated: 9:12
